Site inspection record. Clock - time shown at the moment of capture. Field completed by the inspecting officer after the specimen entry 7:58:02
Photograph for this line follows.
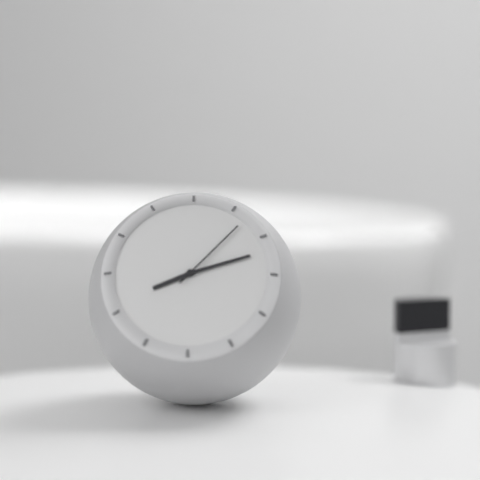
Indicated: 8:12:07
